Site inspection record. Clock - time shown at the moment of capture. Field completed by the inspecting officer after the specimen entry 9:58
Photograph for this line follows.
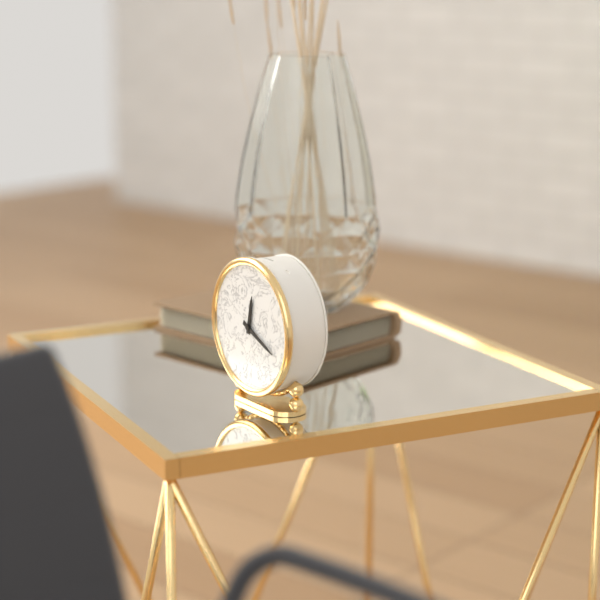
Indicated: 12:19
